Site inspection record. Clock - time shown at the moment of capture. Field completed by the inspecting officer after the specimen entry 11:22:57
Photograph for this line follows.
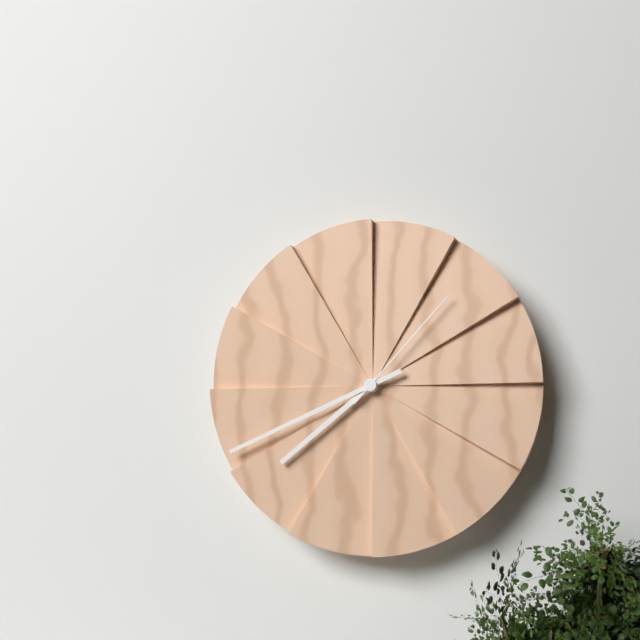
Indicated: 7:41:07
